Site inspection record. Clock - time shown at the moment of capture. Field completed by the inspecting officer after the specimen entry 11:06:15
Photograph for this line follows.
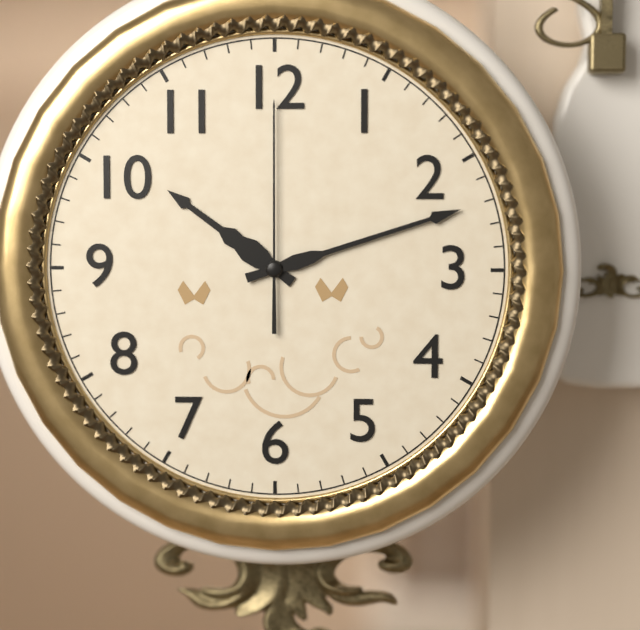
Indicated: 10:12:00
